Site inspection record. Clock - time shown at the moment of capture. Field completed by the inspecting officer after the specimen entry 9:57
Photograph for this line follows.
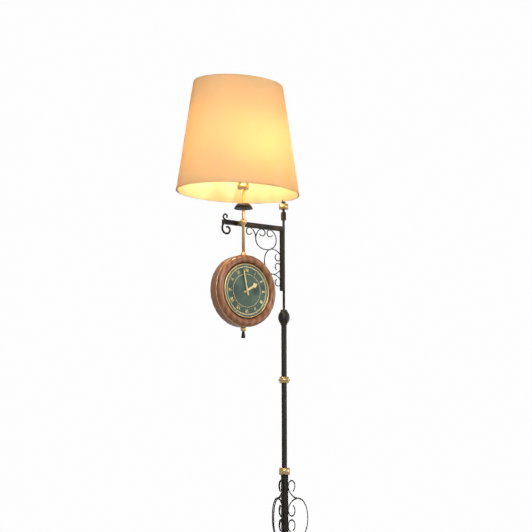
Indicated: 1:58
